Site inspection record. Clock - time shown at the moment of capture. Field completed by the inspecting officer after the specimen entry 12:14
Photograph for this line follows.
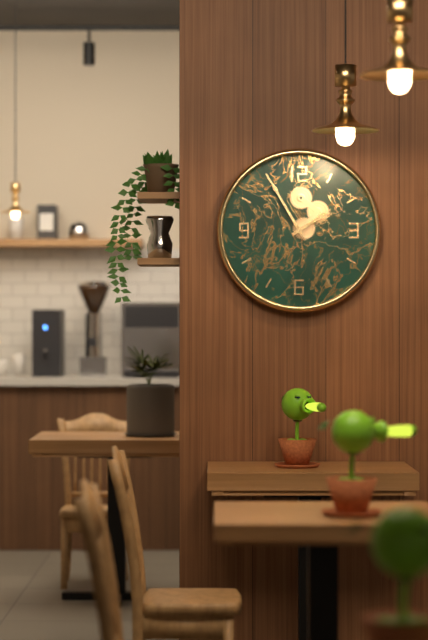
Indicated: 1:55
